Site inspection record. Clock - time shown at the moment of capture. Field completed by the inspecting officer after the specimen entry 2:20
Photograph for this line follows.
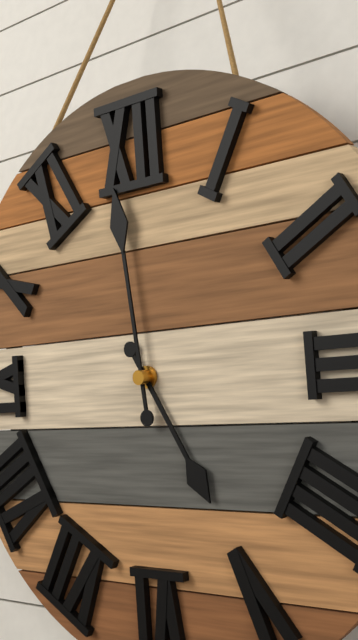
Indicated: 4:59
